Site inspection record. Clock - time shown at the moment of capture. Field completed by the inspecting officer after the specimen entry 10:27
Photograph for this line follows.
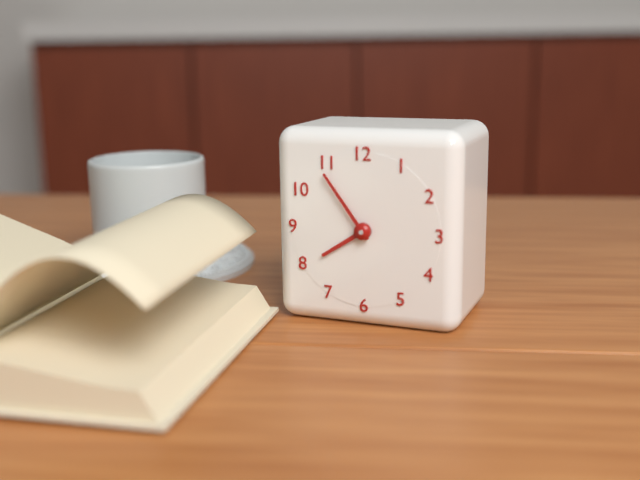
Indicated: 7:54
